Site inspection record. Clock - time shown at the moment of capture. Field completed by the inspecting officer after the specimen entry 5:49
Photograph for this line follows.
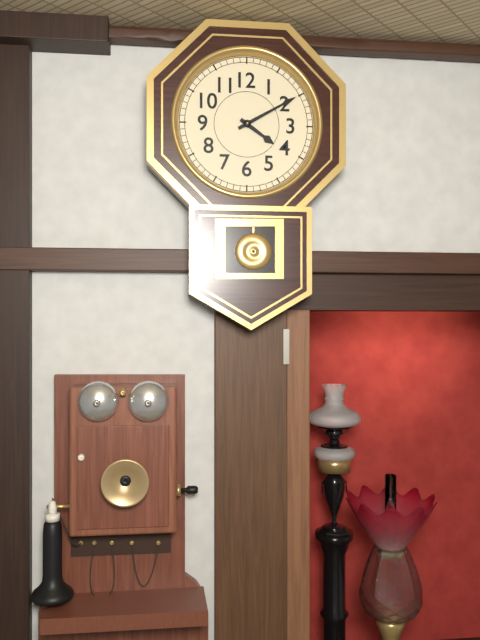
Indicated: 4:10
